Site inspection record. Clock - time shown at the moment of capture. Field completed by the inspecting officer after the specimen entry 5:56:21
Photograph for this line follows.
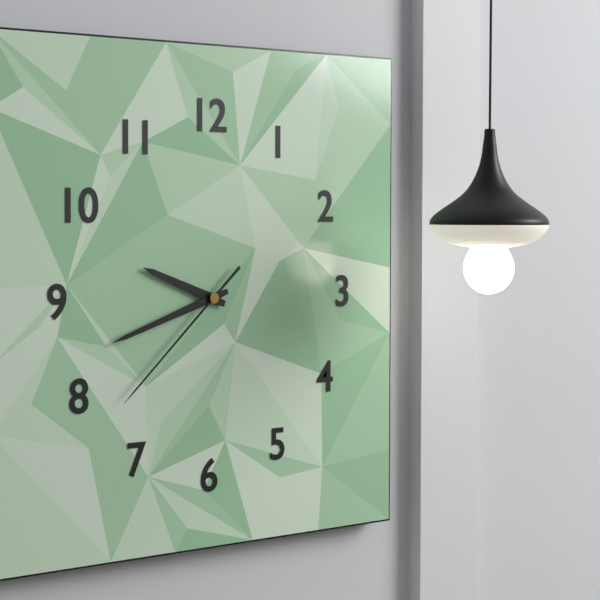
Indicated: 9:42:38
